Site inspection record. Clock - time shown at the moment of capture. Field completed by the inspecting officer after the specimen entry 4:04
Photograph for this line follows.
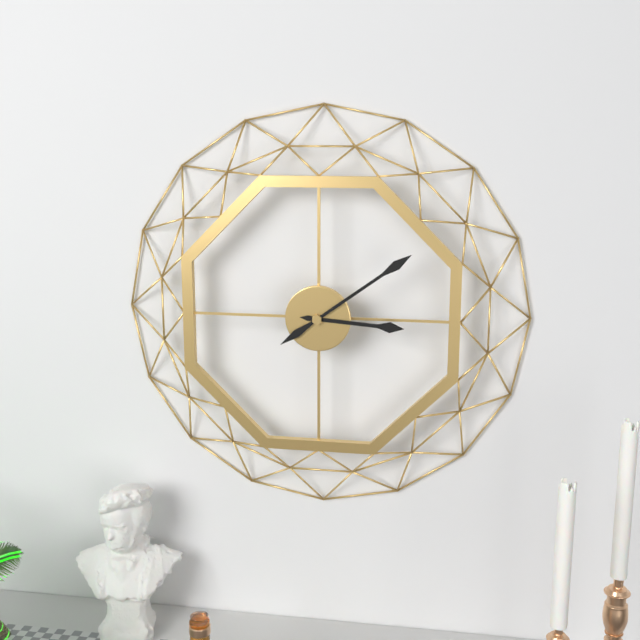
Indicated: 3:09
